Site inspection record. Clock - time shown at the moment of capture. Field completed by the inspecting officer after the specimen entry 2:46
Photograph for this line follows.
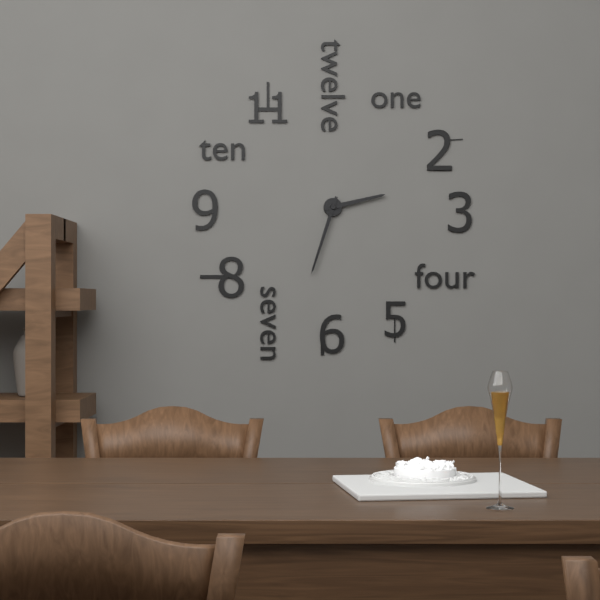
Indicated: 2:33
